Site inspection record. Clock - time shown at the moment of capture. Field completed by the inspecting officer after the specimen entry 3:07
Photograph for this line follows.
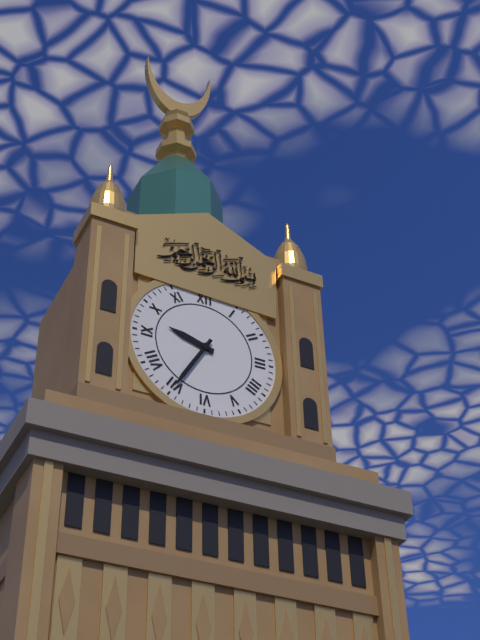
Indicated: 9:35
